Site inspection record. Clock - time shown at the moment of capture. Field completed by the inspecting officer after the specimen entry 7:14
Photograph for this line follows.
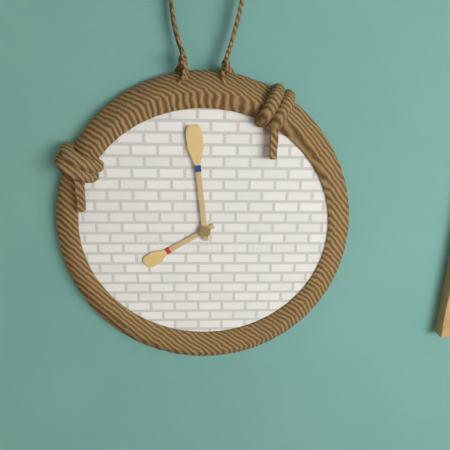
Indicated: 7:59
